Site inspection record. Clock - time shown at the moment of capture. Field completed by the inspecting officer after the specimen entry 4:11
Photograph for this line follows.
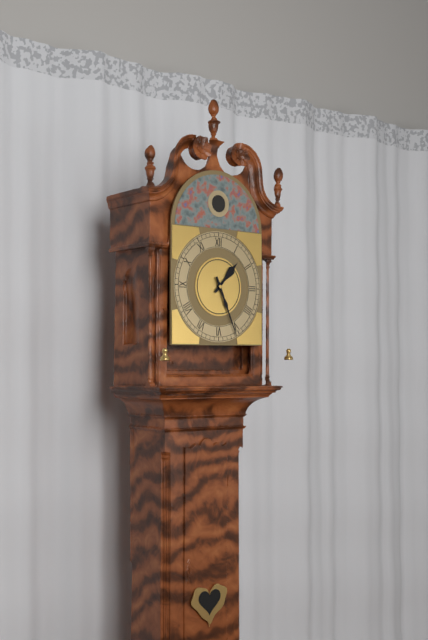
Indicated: 1:26
